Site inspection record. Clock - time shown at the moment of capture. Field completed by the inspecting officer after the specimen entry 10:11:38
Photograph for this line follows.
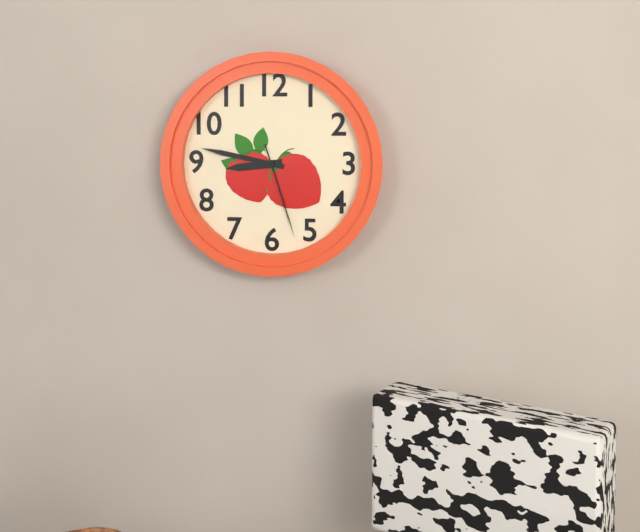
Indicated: 8:47:27
